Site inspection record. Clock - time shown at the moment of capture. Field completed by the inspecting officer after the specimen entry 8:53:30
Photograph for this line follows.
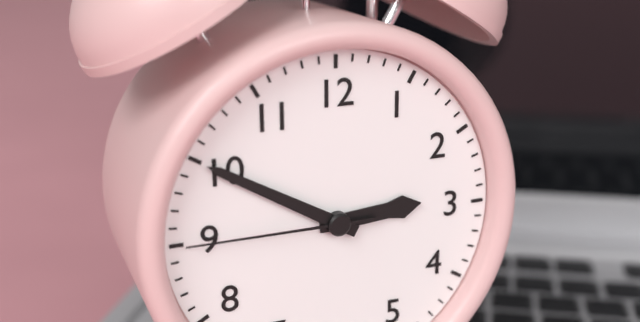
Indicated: 2:50:45
